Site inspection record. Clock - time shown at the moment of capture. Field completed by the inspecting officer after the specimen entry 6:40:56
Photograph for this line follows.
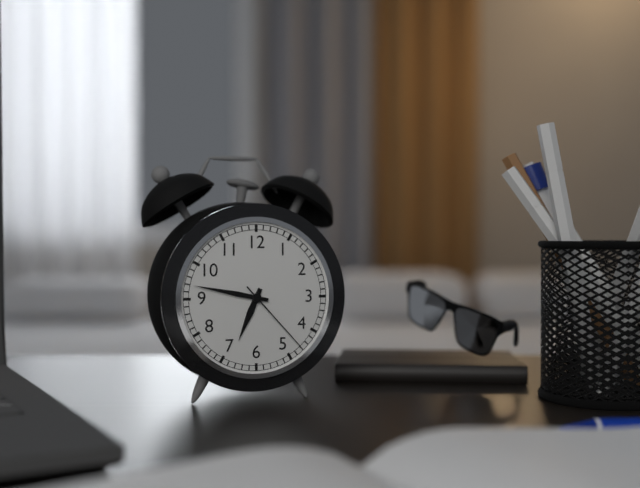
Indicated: 6:47:23
